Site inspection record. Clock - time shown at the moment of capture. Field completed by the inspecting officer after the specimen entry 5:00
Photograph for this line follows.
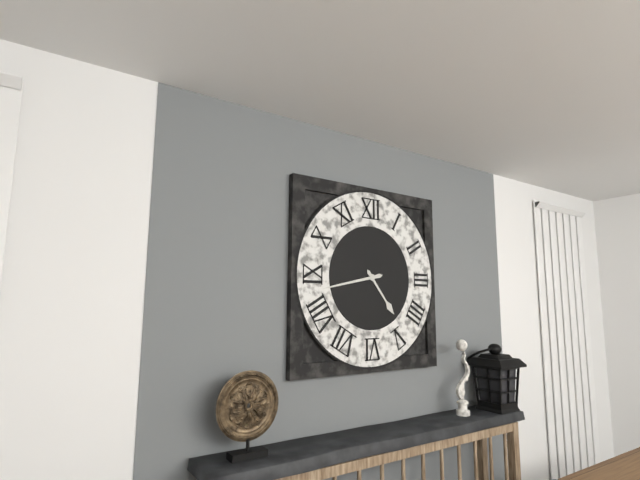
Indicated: 4:43
